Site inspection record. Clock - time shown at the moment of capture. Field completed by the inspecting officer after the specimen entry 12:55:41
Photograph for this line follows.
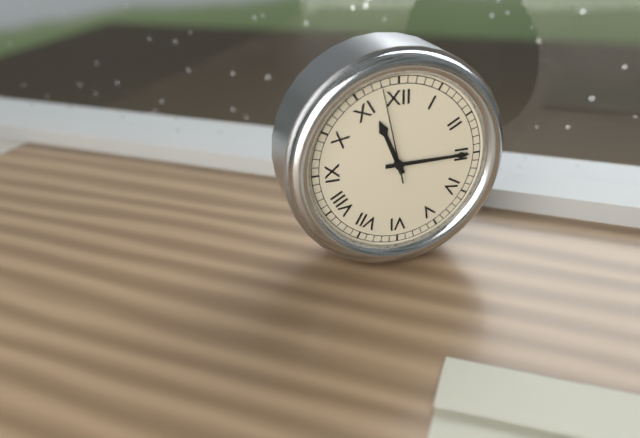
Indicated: 11:15:58
